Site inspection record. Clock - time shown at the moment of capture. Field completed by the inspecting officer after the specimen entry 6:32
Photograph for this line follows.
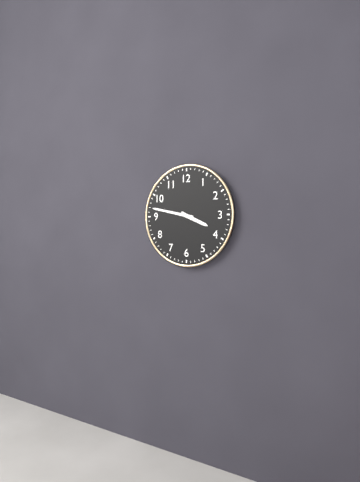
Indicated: 3:47
